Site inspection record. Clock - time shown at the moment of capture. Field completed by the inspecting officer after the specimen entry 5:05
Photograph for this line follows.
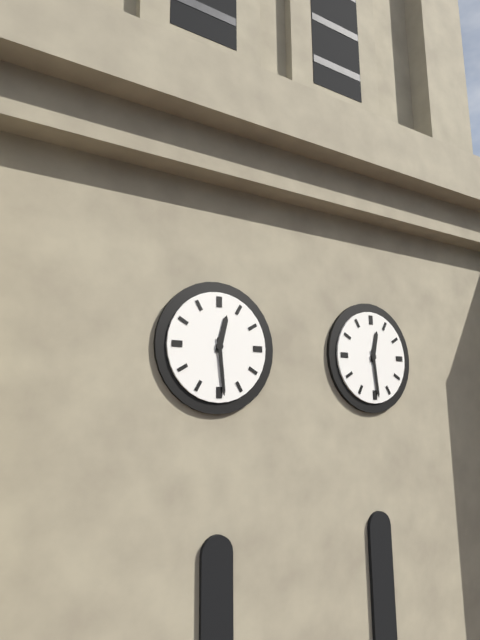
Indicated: 12:29
